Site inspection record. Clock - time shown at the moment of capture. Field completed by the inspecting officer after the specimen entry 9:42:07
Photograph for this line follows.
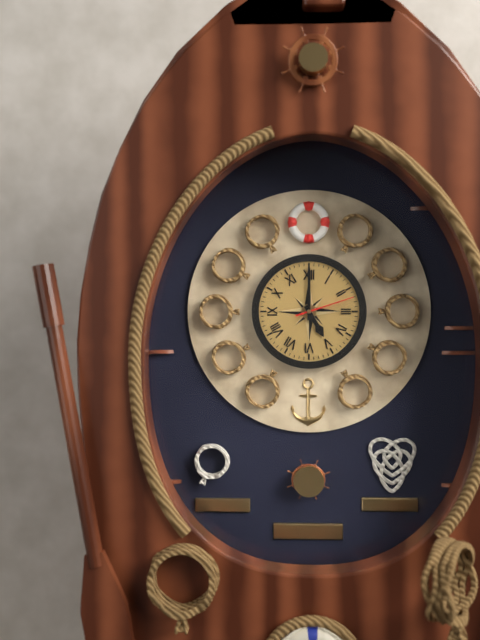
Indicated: 5:00:12
